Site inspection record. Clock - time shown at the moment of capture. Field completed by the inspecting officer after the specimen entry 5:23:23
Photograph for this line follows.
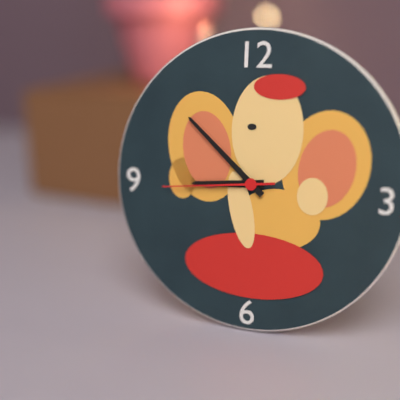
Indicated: 8:52:44
